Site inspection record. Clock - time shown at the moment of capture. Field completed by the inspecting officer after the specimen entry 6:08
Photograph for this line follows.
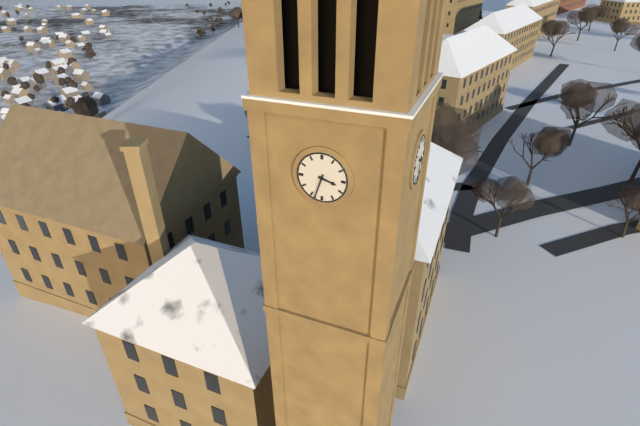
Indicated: 3:33
